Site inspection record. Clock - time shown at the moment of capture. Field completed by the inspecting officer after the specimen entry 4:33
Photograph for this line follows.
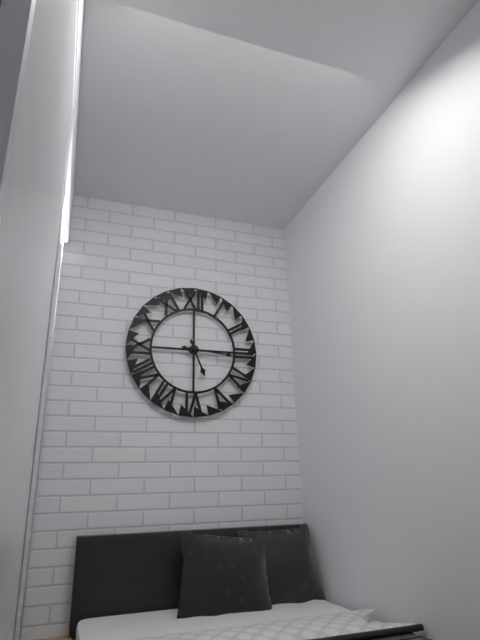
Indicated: 5:16
